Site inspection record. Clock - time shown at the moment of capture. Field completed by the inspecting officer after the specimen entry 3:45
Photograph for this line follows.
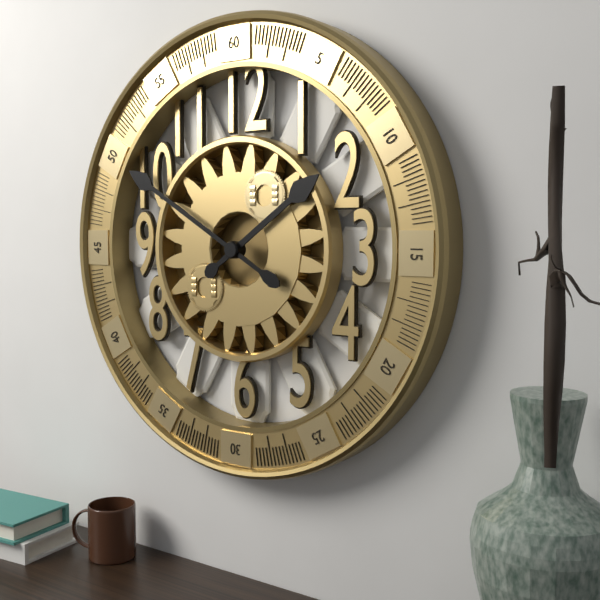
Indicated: 1:50
